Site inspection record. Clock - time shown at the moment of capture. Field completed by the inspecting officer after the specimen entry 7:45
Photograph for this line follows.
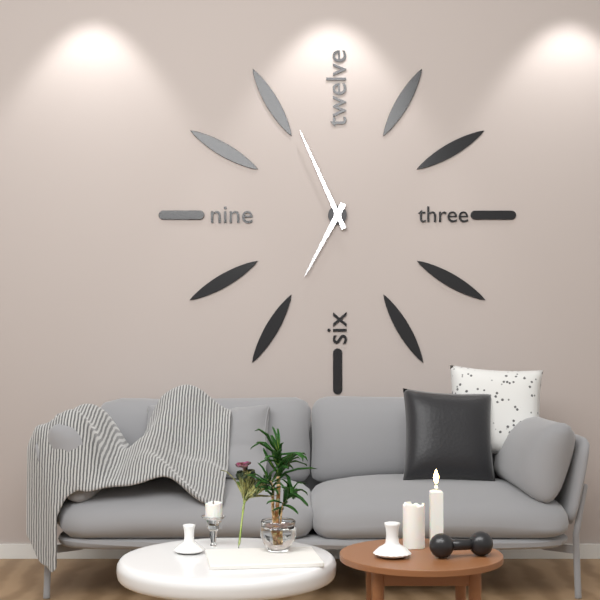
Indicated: 6:56
